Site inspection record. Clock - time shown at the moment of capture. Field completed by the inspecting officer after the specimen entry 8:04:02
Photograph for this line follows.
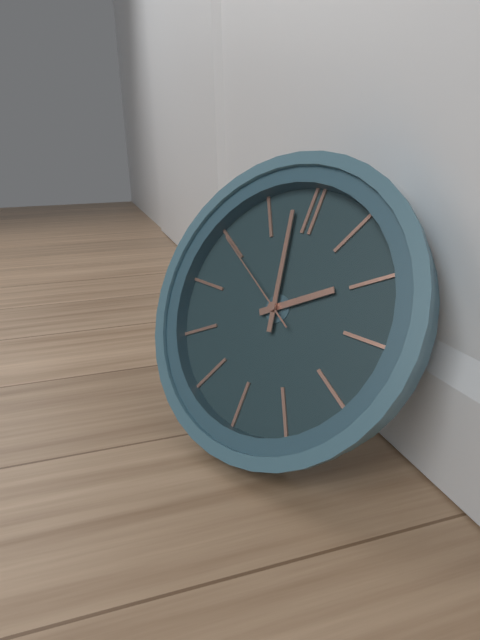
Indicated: 1:58:50
